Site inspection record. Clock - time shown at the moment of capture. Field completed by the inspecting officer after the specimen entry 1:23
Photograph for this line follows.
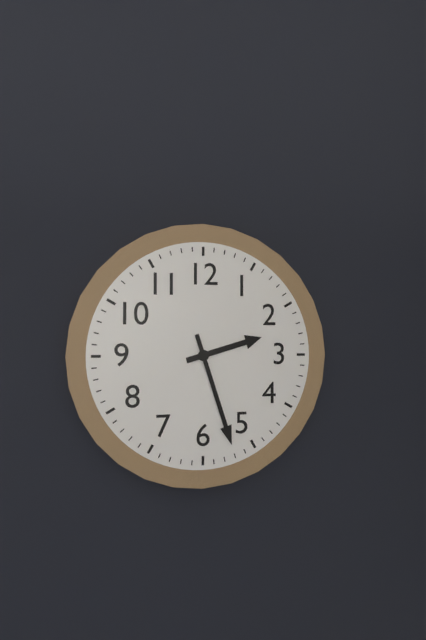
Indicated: 2:27
